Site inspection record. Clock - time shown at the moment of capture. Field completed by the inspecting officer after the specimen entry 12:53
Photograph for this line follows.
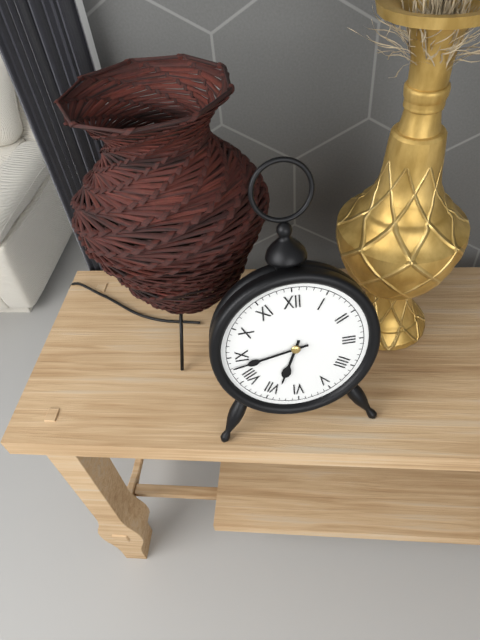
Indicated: 6:43
